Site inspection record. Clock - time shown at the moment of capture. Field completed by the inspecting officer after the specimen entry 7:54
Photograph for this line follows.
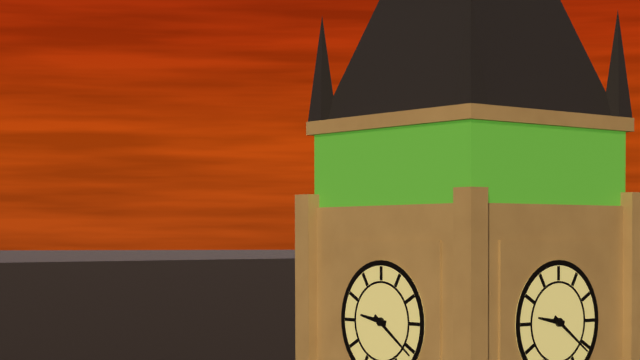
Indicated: 9:21
